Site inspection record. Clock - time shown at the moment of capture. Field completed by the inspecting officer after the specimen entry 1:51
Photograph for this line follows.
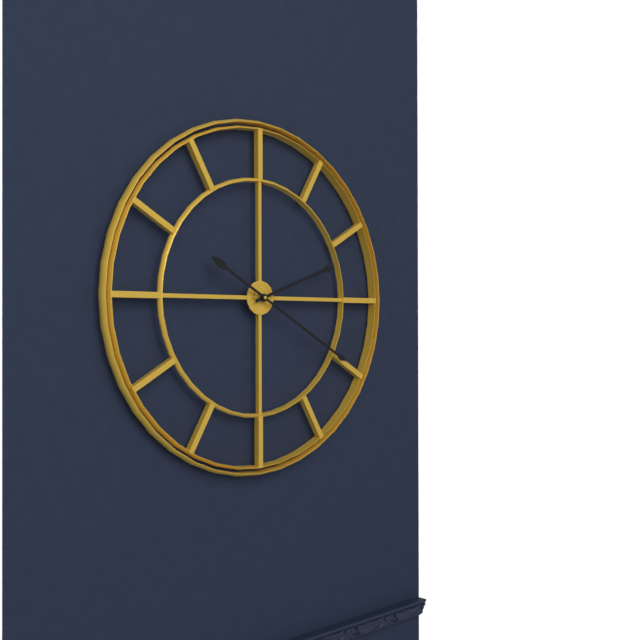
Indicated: 2:20
